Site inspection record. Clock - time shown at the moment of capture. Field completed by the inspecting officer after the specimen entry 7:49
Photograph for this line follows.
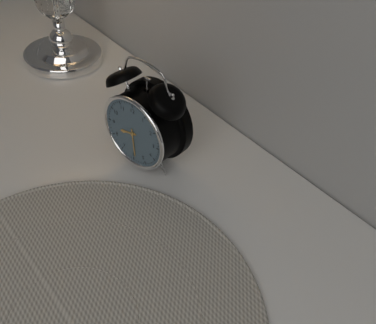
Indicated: 8:29
